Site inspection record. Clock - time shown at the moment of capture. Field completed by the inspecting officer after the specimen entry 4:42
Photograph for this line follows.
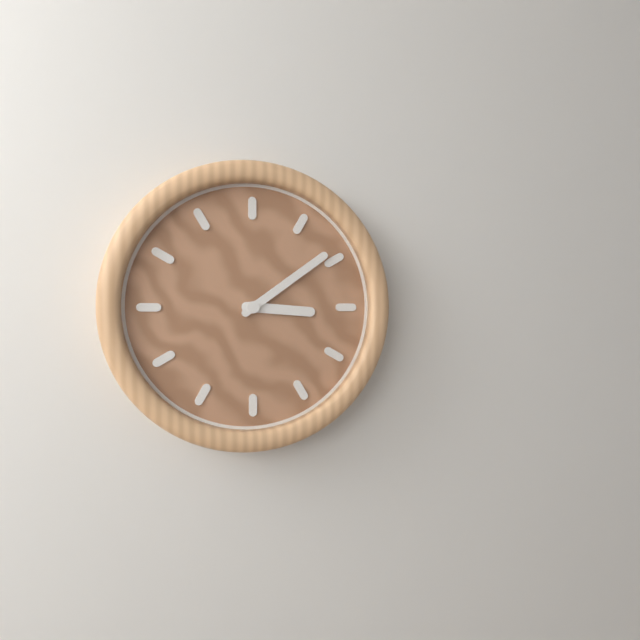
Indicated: 3:09
